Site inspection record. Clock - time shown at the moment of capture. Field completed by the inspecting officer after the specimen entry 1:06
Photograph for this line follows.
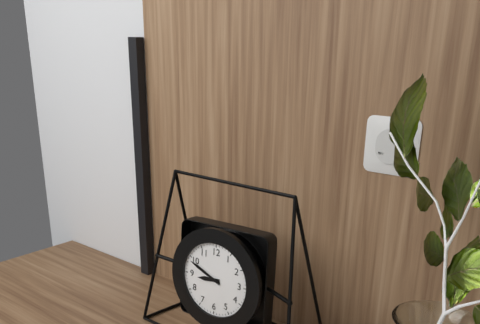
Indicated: 8:49
